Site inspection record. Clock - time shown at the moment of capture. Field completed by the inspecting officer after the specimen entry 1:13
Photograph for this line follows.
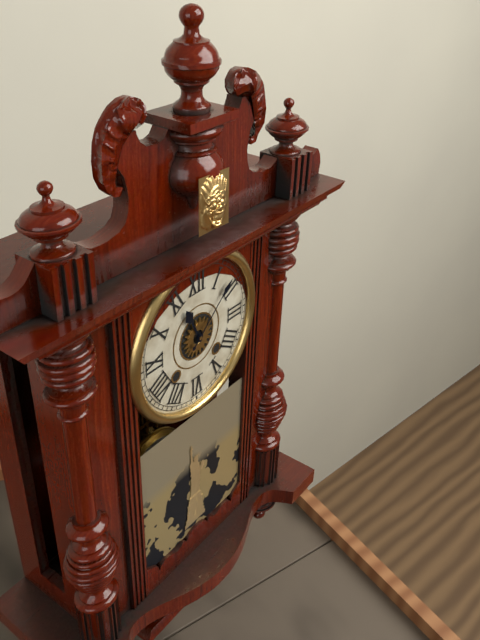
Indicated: 11:08
